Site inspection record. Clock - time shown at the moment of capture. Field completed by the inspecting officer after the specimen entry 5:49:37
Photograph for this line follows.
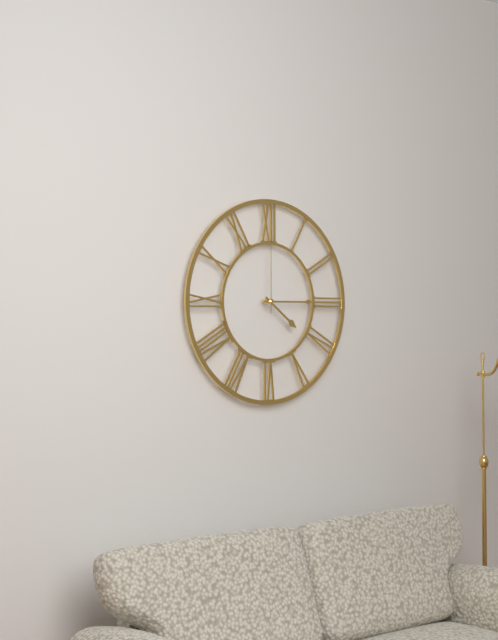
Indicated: 4:15:00
